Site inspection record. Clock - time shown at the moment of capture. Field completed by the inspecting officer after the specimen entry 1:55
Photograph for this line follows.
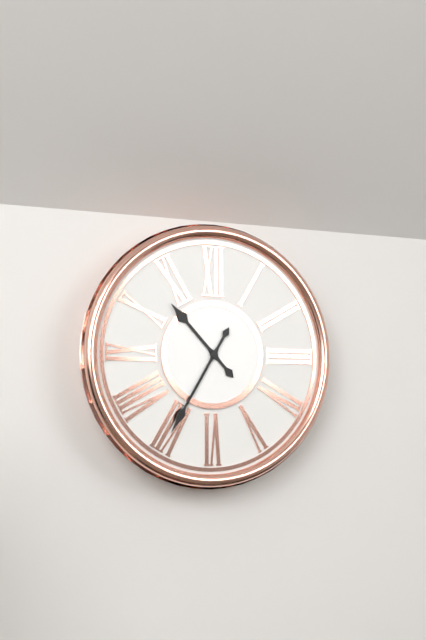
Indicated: 10:35
